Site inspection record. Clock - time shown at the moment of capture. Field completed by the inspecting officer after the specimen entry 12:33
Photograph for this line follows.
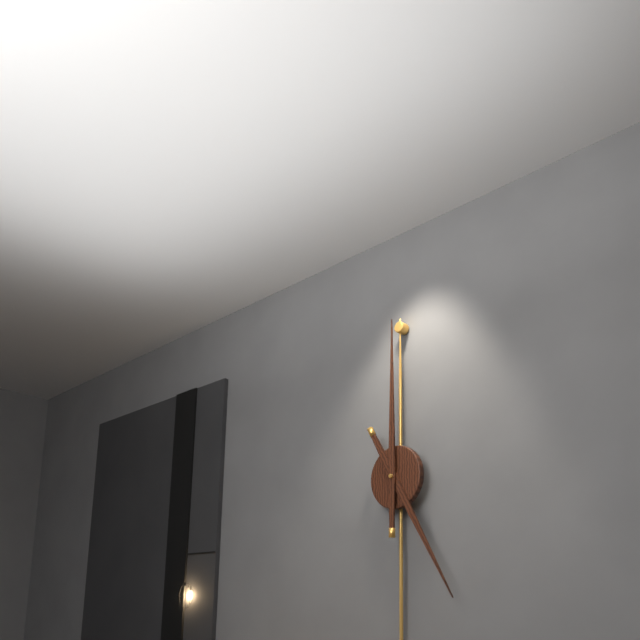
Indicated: 5:00
